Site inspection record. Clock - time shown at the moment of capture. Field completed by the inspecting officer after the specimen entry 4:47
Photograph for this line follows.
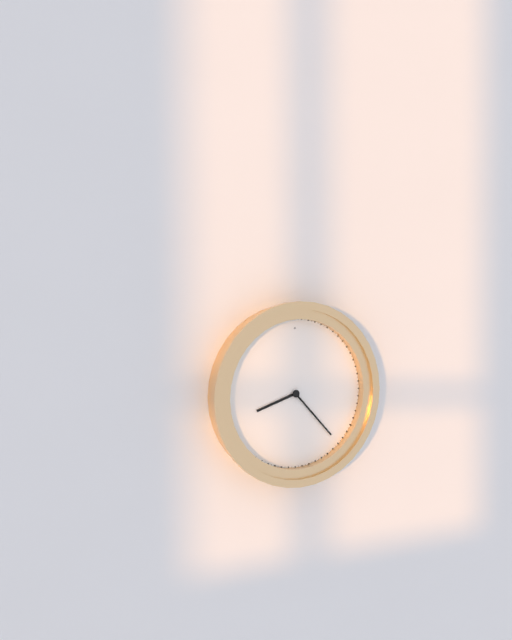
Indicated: 8:23
